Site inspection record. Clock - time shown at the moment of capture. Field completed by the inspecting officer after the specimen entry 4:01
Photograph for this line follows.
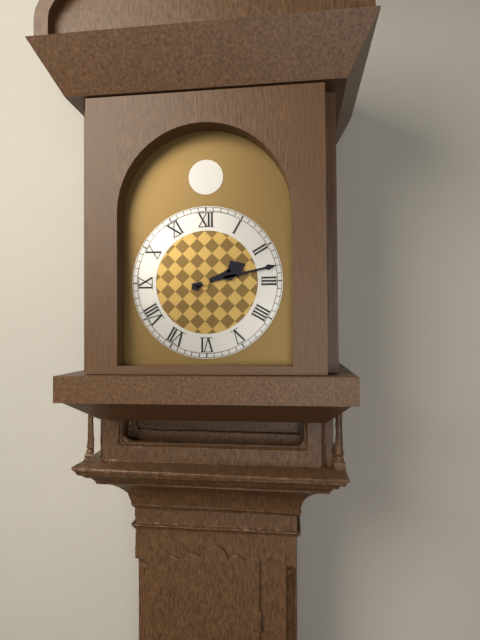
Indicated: 2:13
